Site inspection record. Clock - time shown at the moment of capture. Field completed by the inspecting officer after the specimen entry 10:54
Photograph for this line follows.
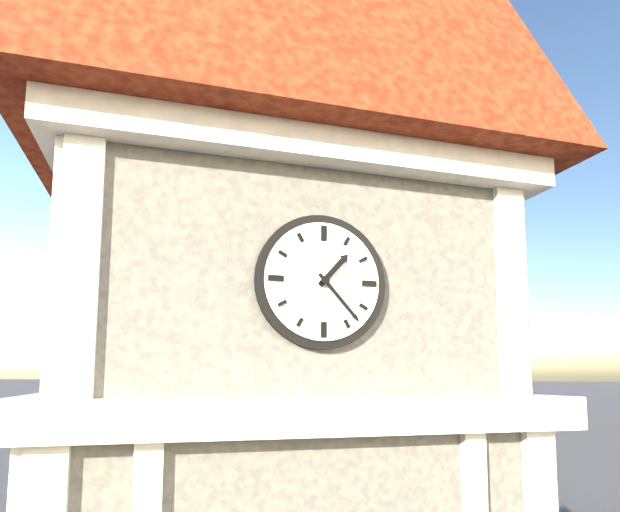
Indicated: 1:23
